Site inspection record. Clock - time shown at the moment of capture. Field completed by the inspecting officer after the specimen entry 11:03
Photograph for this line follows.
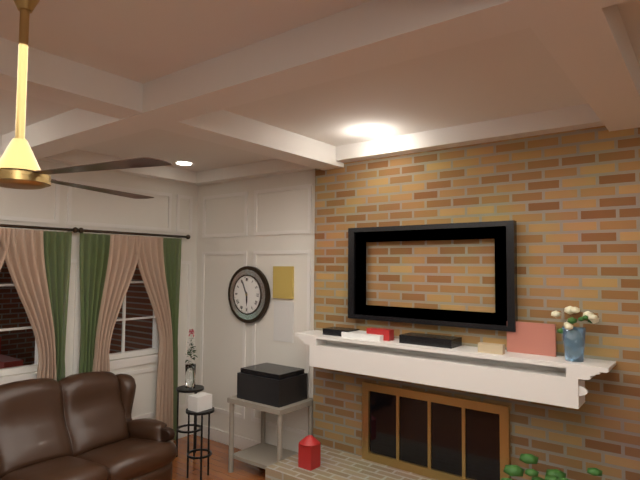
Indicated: 5:56
